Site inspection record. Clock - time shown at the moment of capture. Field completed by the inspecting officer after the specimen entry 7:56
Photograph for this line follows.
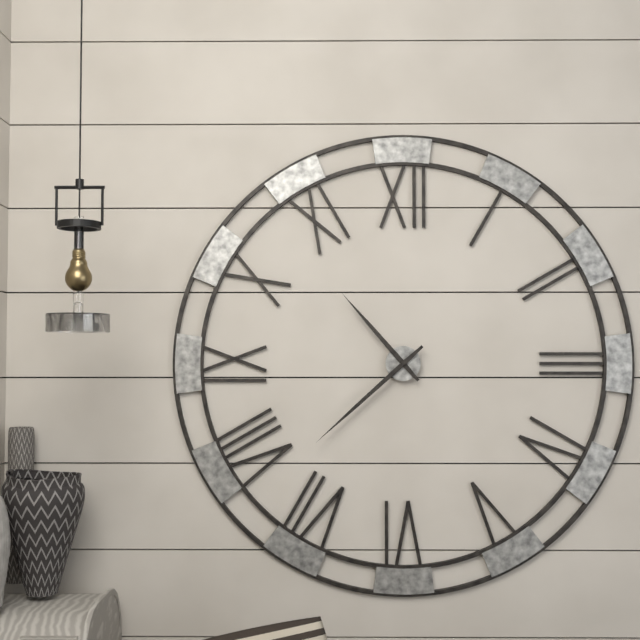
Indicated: 10:38
